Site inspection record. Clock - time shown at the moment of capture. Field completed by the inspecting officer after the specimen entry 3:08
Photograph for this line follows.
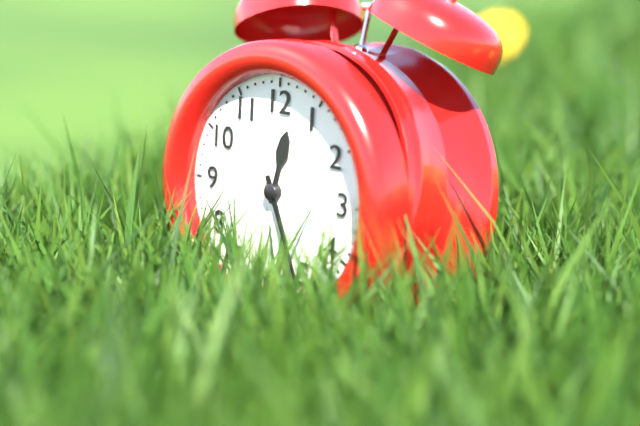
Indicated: 12:26
